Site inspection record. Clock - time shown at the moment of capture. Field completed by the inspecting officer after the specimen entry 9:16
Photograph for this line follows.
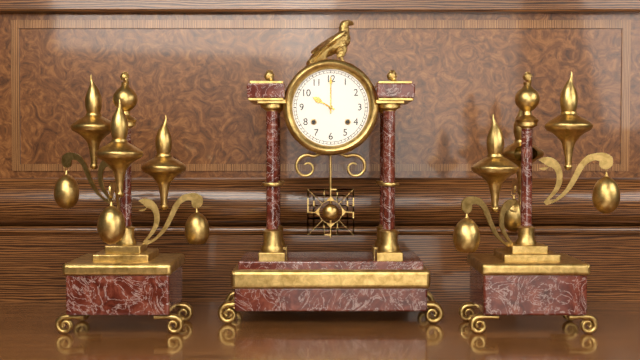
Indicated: 10:00
